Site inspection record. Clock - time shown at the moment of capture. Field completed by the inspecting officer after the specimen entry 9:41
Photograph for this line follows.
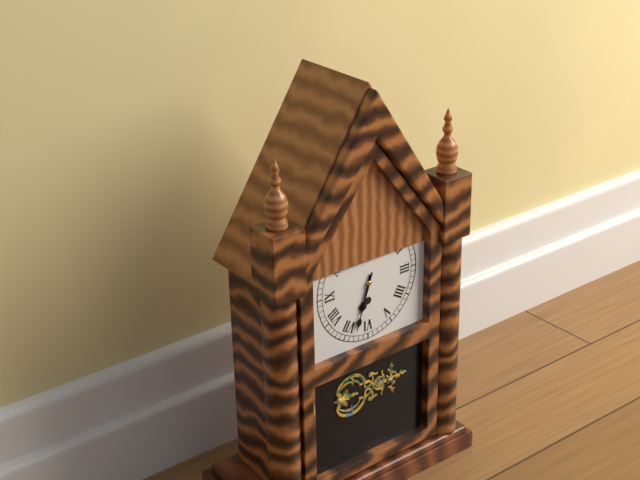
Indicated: 6:33
